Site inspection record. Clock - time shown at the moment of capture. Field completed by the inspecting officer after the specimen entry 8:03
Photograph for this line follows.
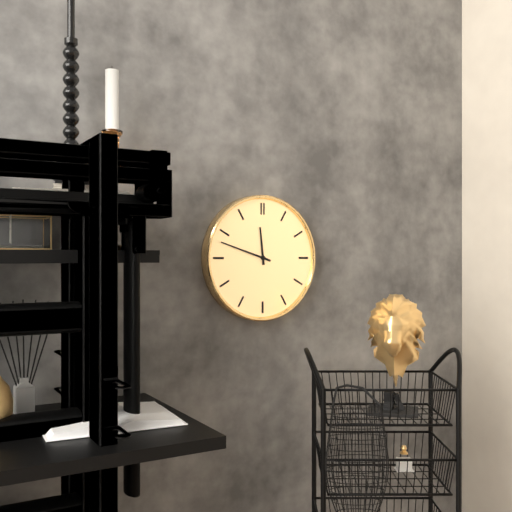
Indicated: 11:48
